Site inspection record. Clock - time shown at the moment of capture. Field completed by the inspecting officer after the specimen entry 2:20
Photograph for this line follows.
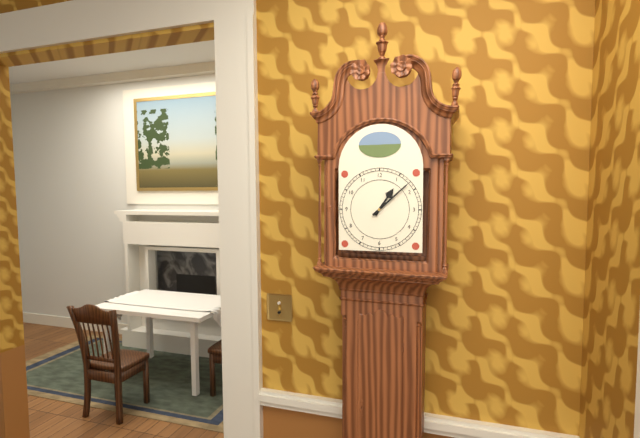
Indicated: 1:08
